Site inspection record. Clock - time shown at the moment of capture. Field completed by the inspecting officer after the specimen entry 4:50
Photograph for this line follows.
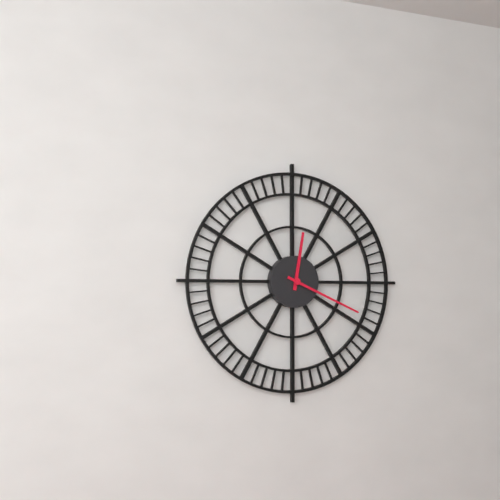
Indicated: 12:19
